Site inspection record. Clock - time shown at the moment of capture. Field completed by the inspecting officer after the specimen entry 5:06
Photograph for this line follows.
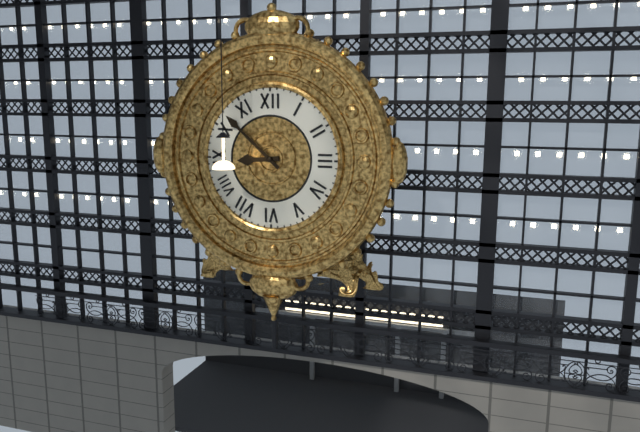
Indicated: 8:52
